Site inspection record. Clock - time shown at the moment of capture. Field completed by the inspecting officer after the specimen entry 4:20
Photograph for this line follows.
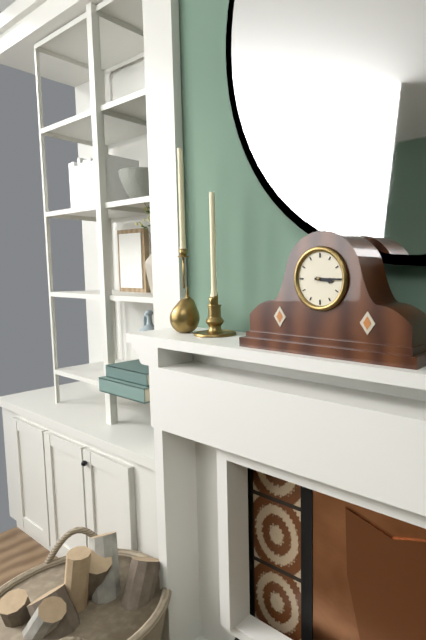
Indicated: 3:15
